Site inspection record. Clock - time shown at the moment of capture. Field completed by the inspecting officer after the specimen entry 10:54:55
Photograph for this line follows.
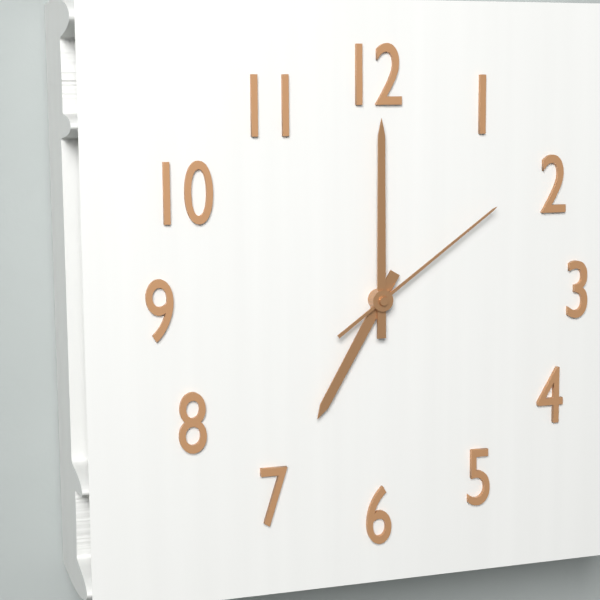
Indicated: 7:00:09
